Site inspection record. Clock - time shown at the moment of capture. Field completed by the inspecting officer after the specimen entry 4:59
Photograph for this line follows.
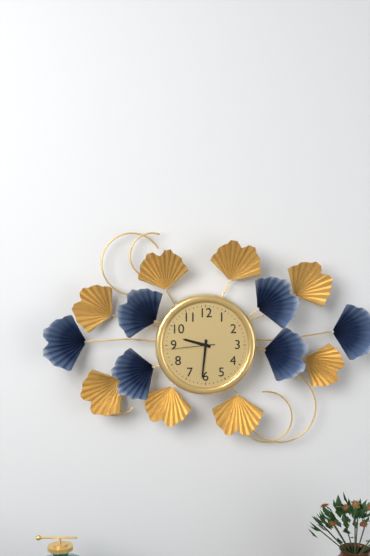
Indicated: 9:31
